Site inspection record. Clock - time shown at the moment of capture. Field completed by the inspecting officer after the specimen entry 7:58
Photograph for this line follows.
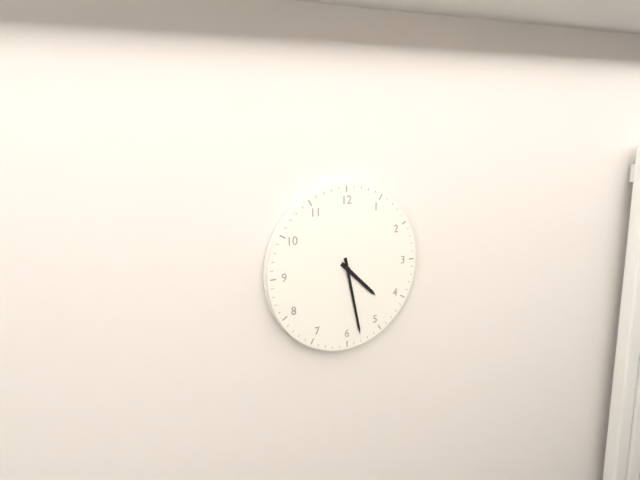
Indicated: 4:28
